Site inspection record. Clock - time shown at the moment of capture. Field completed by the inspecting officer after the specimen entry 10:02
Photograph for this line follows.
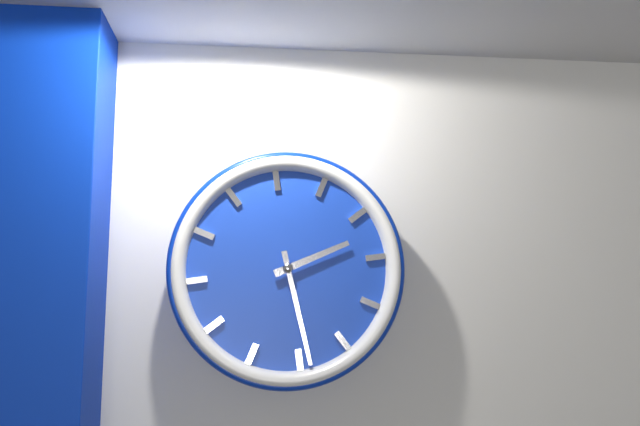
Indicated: 2:29
